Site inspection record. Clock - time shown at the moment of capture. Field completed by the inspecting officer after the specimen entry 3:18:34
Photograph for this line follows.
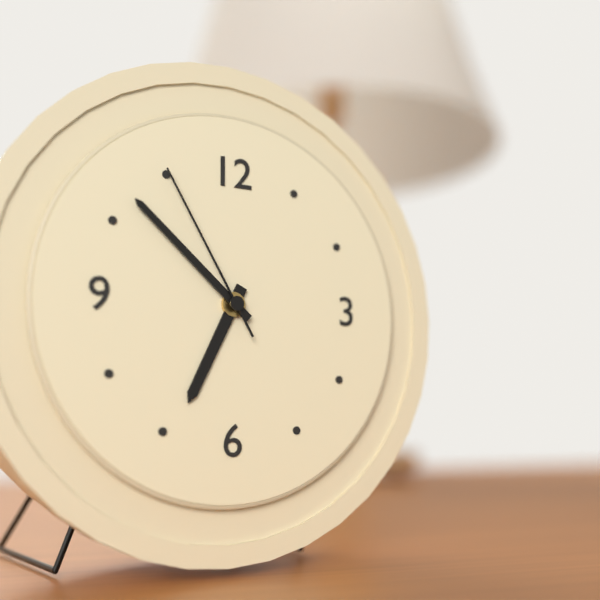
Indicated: 6:52:55
